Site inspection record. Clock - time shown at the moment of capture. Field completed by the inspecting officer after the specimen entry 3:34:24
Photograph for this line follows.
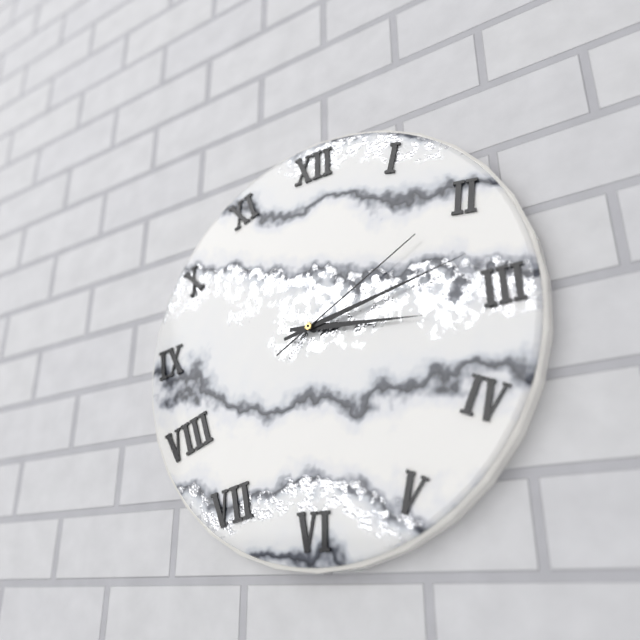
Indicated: 3:13:10
